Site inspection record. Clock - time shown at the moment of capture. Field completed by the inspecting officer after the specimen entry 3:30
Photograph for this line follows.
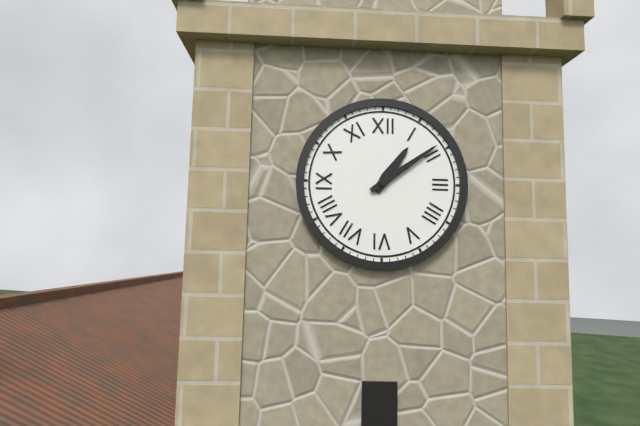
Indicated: 1:09
